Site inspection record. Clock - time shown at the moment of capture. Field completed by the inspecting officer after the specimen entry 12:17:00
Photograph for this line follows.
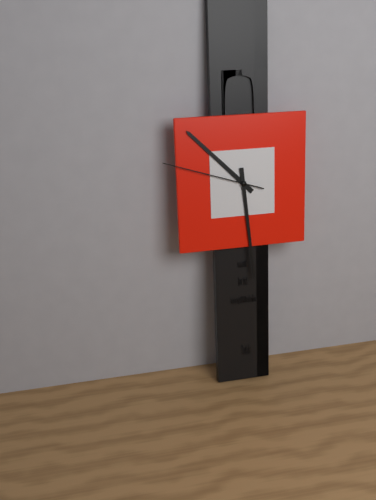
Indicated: 10:29:48
